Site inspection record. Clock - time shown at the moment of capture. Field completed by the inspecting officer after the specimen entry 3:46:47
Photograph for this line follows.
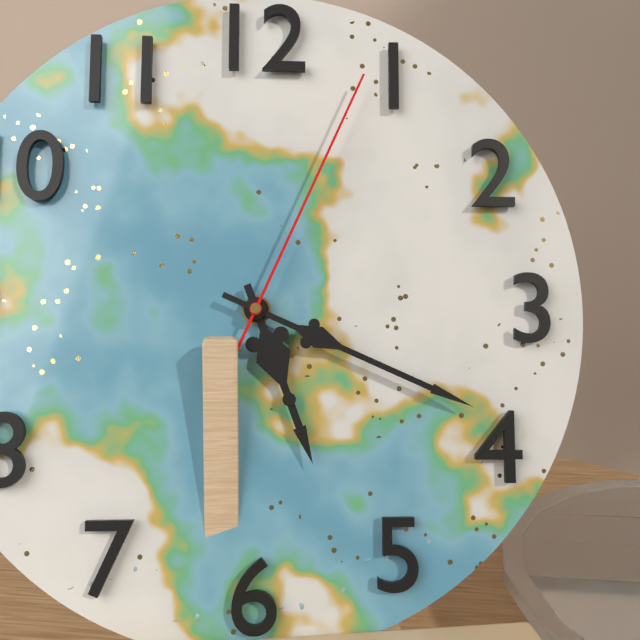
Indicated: 5:19:04
